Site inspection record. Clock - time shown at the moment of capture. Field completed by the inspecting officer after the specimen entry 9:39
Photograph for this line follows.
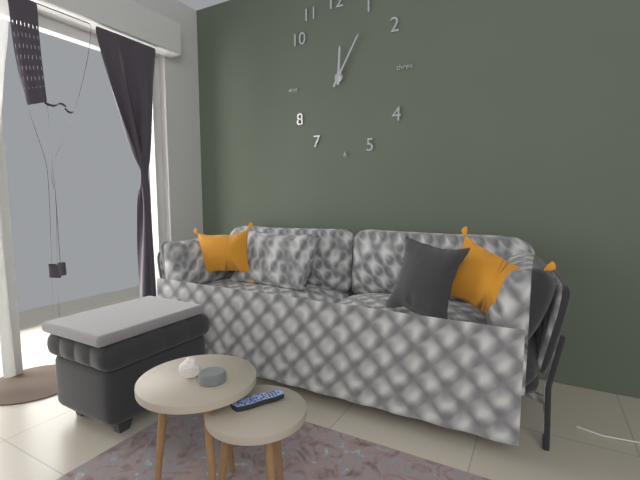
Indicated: 12:05
